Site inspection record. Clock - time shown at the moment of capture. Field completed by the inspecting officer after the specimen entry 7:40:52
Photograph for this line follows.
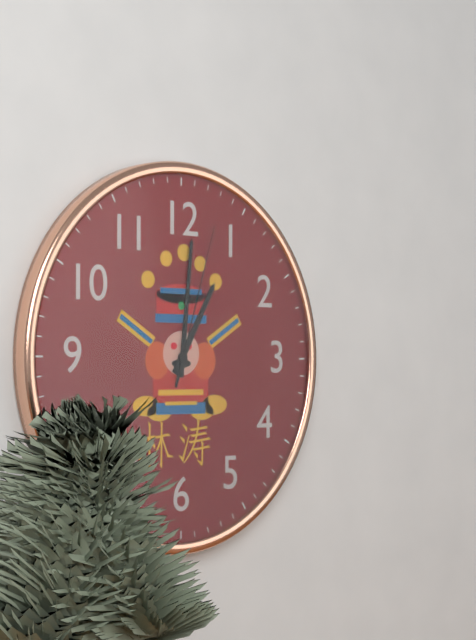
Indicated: 1:01:03
